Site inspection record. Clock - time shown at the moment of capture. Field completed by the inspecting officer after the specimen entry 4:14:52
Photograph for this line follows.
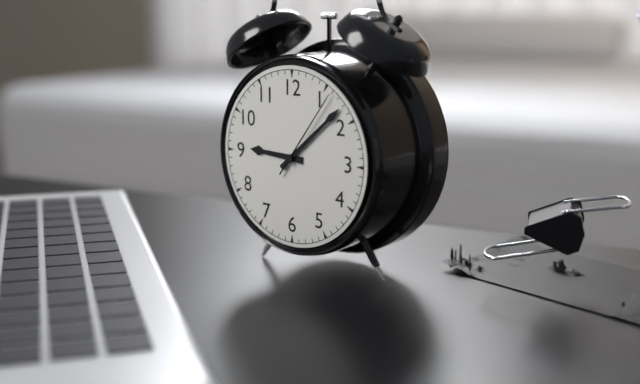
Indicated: 9:08:06
